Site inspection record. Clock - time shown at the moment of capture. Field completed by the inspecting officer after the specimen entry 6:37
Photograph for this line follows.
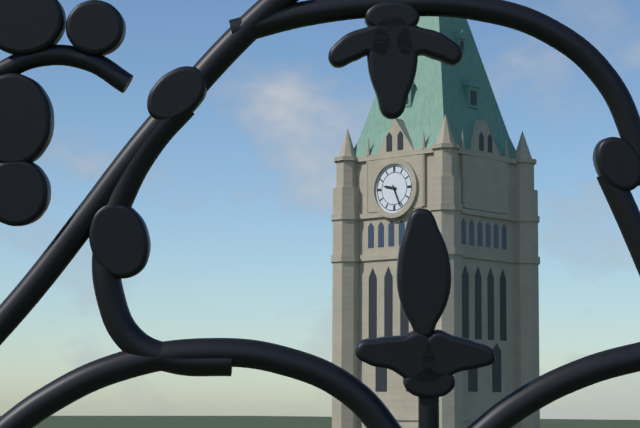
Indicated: 9:26
